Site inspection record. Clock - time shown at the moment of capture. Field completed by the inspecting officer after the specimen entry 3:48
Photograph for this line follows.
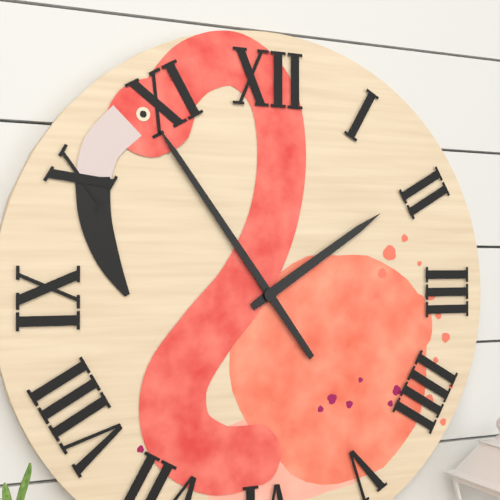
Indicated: 1:54
